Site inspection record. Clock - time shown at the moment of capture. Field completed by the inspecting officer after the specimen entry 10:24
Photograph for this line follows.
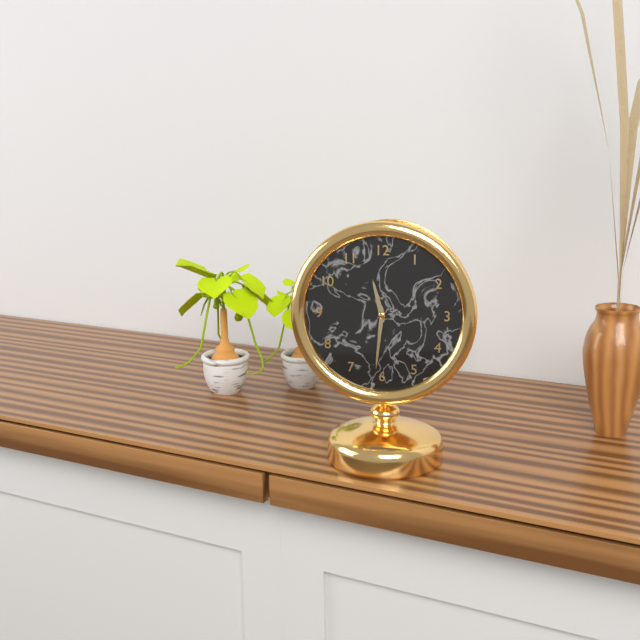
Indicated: 11:31
